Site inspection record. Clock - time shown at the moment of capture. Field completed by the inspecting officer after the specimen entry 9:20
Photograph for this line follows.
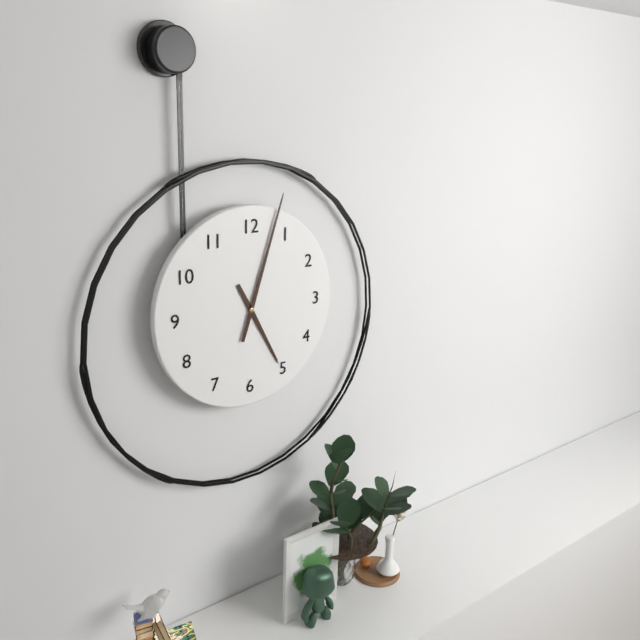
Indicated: 5:03
